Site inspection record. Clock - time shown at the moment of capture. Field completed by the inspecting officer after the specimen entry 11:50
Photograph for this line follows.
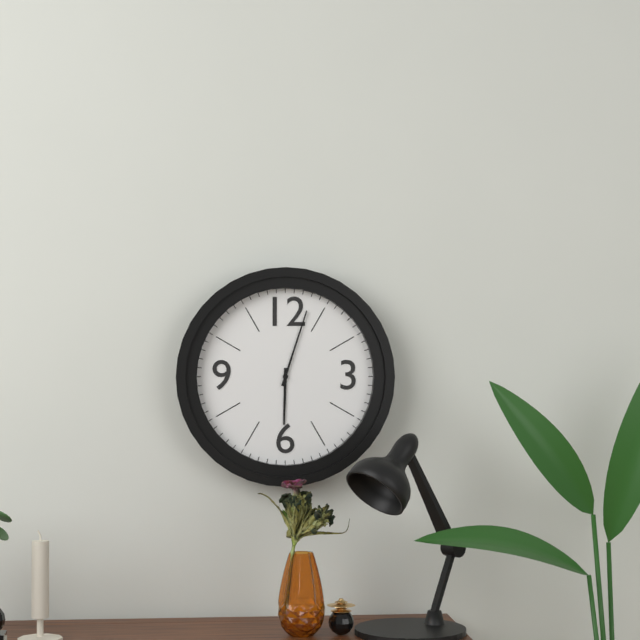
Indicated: 6:03
